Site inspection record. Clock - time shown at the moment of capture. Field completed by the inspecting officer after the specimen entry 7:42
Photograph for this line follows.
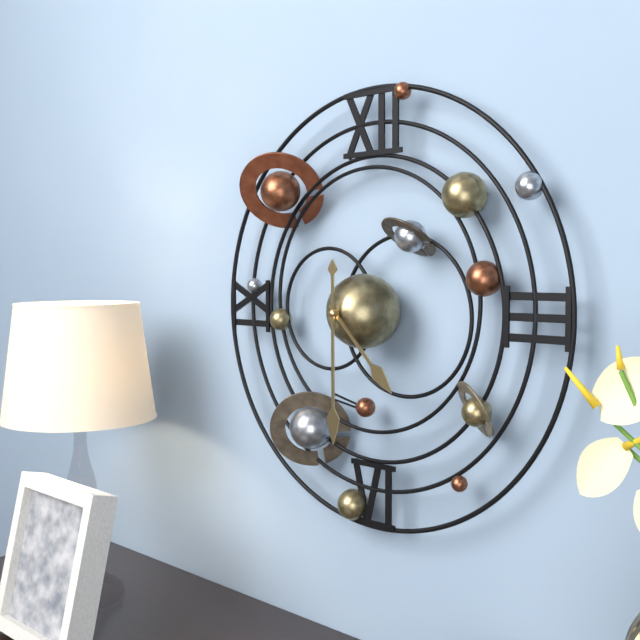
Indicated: 4:30
